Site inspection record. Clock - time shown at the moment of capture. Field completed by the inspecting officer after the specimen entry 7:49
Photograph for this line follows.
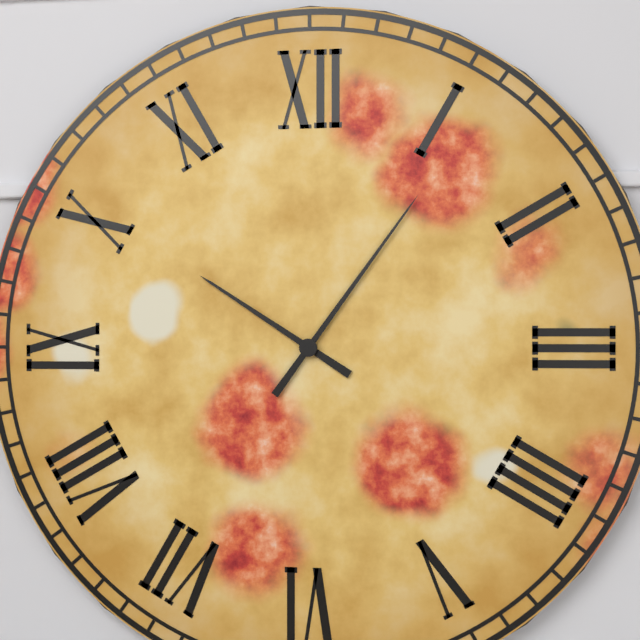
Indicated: 10:06
